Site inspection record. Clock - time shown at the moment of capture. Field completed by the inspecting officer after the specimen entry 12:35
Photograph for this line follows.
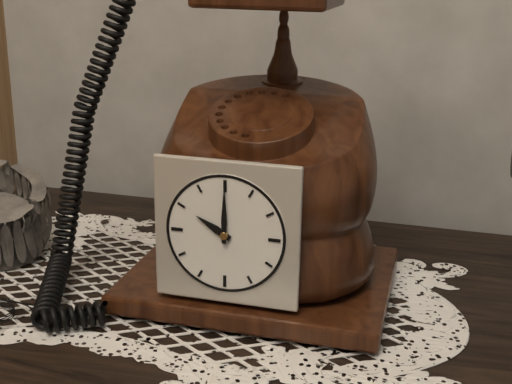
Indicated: 10:00
